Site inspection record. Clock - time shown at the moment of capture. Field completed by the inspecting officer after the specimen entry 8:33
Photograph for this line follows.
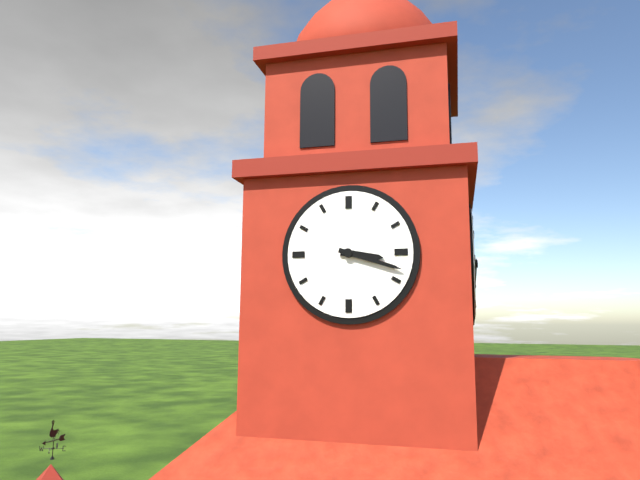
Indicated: 3:18
